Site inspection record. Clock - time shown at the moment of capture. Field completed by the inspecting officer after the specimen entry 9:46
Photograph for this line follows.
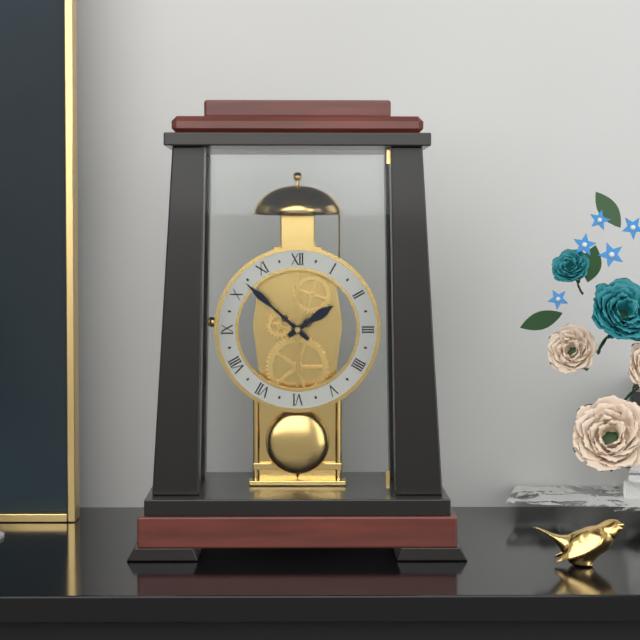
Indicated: 1:52
